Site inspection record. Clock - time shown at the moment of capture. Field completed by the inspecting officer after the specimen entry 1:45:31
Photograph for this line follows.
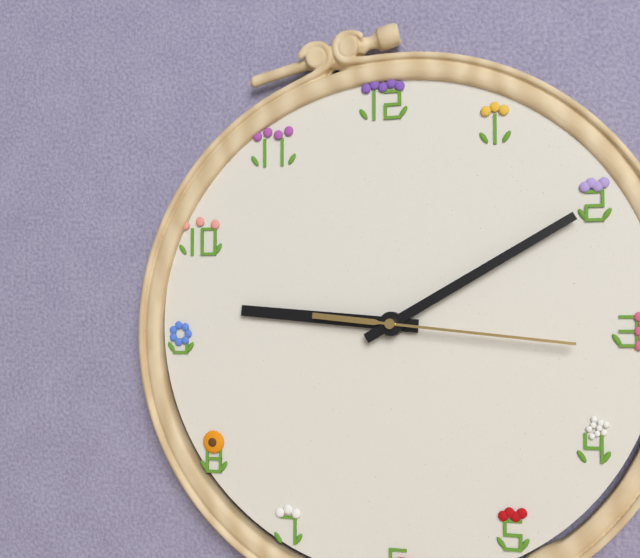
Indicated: 9:10:16
